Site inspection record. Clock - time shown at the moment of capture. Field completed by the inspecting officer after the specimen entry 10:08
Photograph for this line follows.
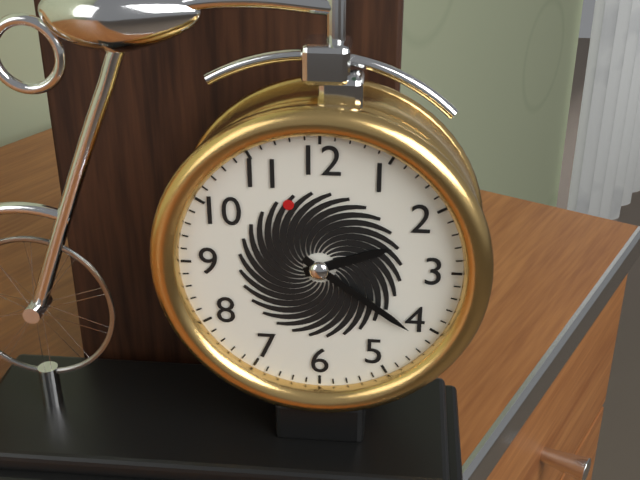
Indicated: 2:21
